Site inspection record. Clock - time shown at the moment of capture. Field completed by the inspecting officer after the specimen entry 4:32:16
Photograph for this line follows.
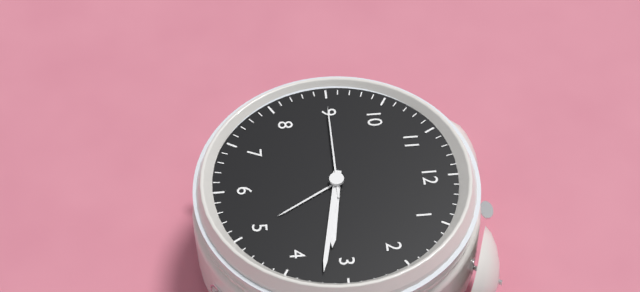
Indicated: 3:17:45
